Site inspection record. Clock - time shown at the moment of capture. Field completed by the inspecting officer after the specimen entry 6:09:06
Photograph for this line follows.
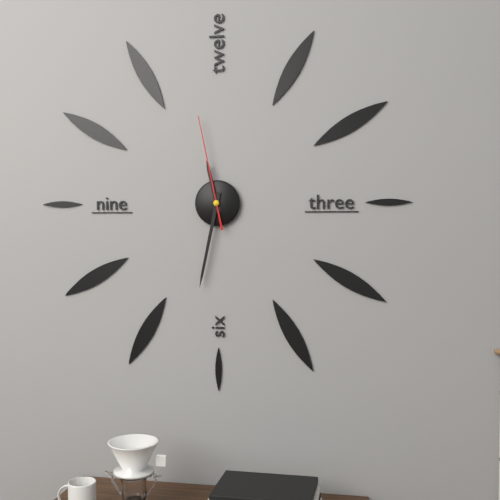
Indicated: 11:32:58
